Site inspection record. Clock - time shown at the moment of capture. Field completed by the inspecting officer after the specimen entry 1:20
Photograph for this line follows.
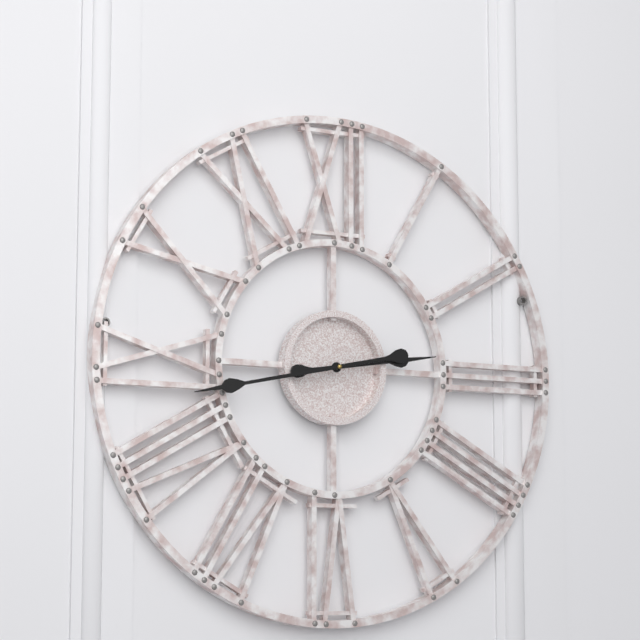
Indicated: 2:43
